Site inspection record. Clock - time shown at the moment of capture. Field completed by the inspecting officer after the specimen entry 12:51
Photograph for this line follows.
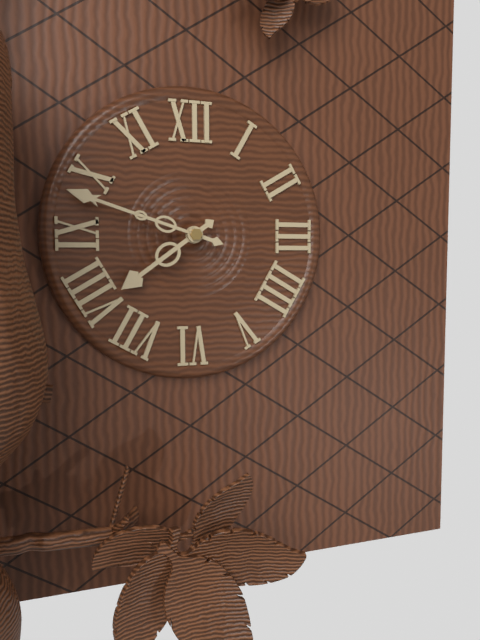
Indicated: 7:48
